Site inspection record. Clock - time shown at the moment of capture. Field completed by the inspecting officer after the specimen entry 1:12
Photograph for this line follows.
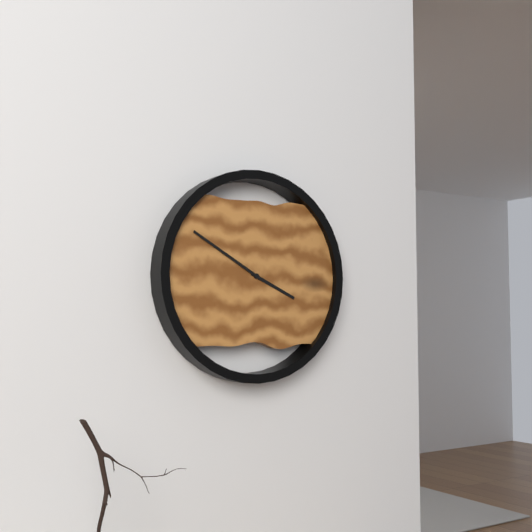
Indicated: 3:50
